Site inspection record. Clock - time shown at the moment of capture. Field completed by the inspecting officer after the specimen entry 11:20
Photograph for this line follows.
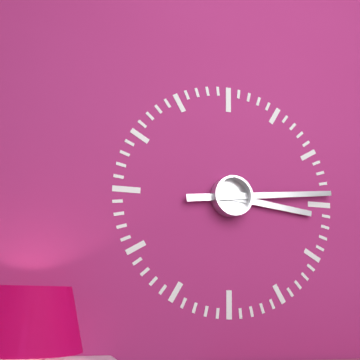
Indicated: 3:14
